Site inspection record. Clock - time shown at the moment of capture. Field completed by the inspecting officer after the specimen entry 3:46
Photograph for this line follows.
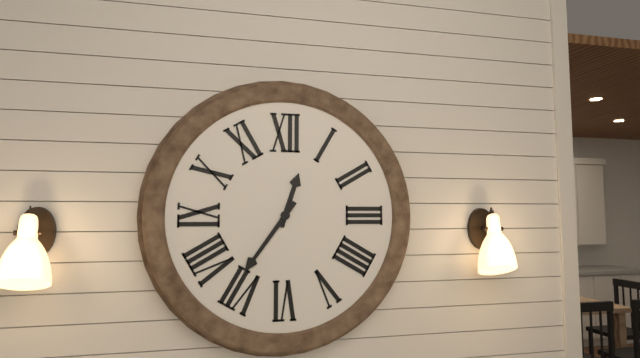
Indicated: 12:36
